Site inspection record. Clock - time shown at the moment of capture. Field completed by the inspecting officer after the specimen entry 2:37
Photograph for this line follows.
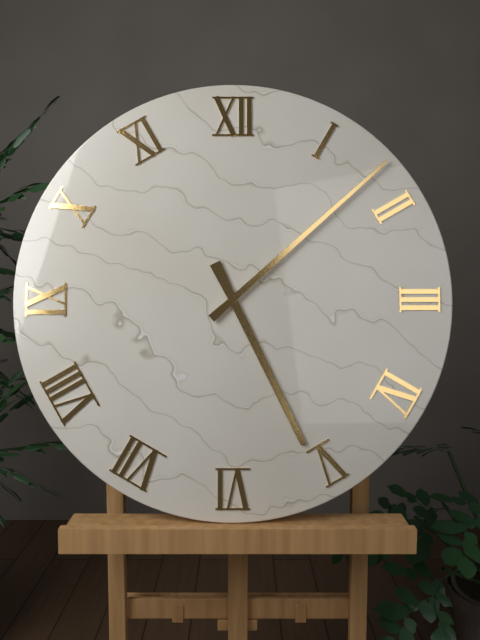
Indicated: 5:08
